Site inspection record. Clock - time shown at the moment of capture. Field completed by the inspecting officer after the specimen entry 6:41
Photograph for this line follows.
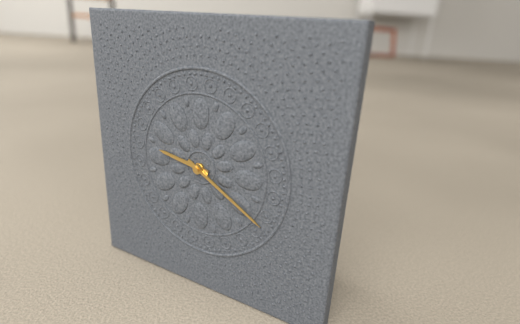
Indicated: 9:20
